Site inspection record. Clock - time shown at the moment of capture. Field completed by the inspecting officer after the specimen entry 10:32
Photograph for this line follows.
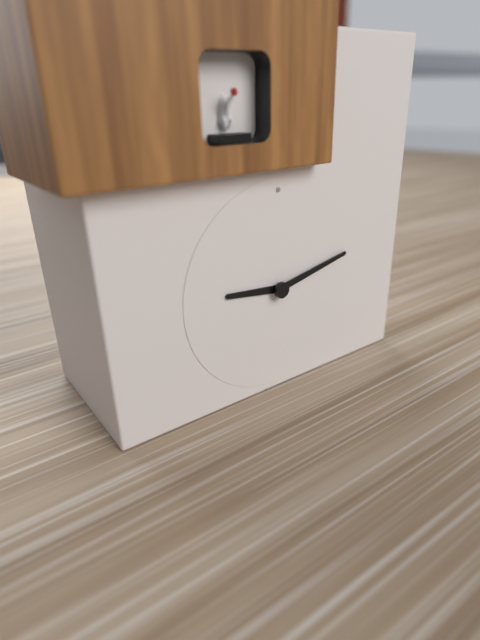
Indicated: 9:13
